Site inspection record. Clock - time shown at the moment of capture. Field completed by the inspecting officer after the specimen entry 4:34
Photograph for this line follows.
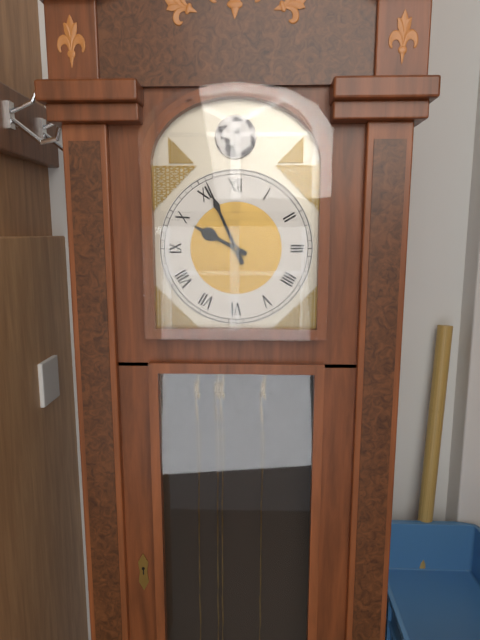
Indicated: 9:56
